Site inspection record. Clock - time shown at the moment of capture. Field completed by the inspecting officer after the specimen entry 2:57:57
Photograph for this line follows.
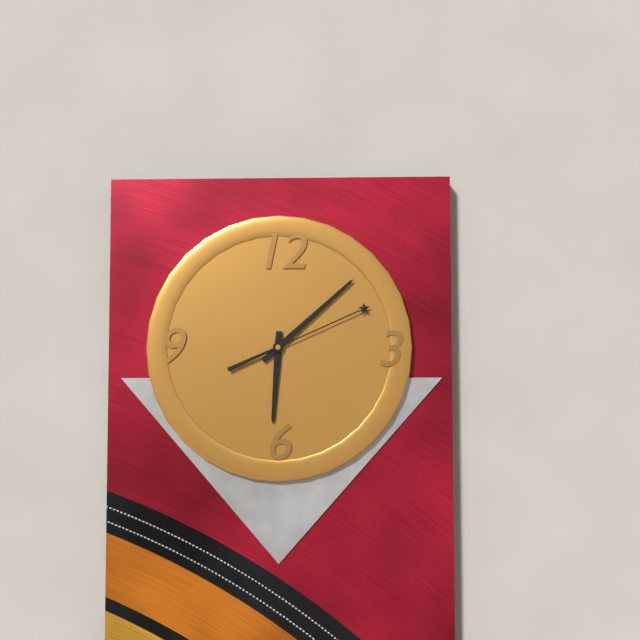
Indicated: 6:08:11
